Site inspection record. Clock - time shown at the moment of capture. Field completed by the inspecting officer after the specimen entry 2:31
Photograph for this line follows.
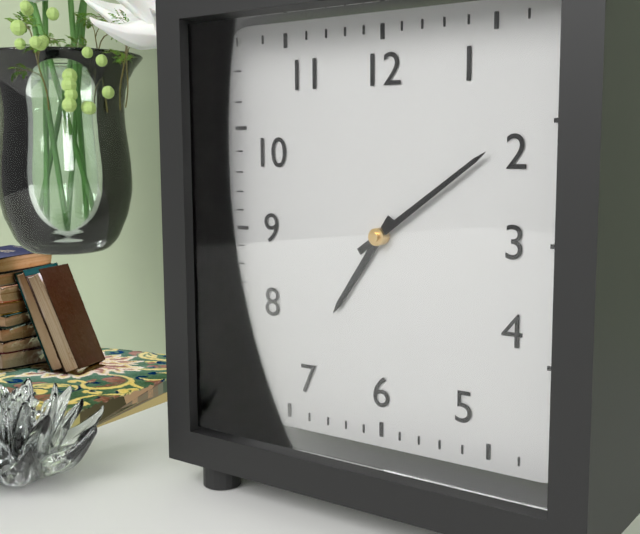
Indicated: 7:09
